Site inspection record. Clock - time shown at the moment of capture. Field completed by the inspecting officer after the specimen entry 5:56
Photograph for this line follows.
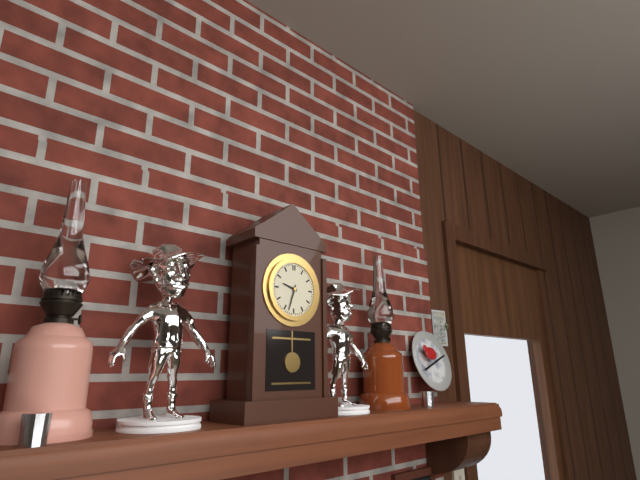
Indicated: 9:33
